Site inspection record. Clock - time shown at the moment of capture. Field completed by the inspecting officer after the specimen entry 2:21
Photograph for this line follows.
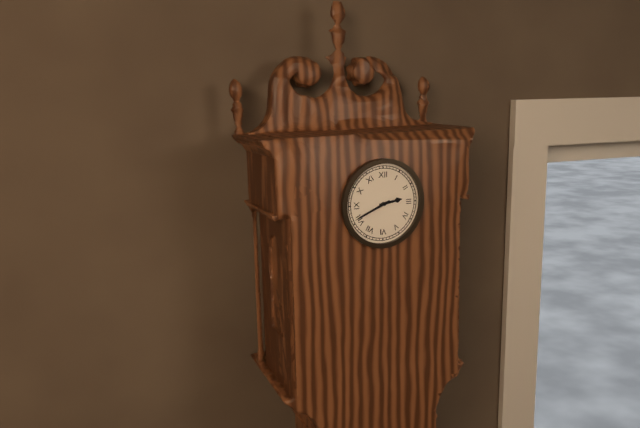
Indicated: 2:41
